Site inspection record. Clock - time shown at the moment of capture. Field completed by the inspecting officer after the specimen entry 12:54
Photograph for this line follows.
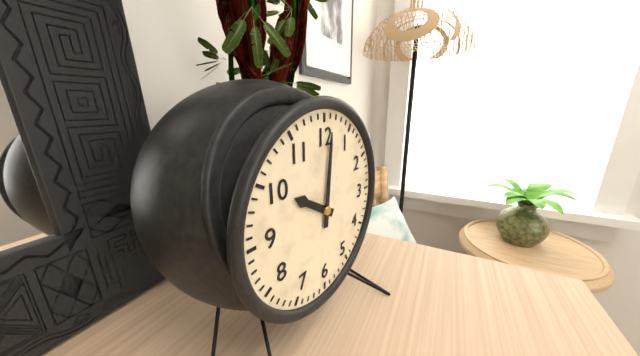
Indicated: 10:01
